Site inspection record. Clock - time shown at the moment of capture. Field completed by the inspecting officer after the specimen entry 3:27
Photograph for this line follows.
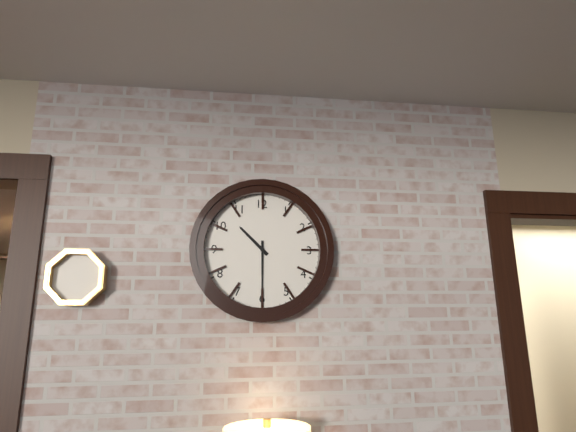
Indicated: 10:30
